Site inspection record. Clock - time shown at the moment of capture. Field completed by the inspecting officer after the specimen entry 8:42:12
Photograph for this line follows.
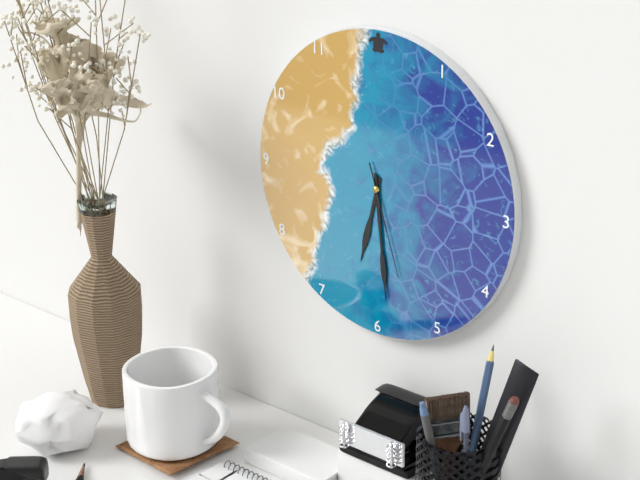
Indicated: 6:29:27
